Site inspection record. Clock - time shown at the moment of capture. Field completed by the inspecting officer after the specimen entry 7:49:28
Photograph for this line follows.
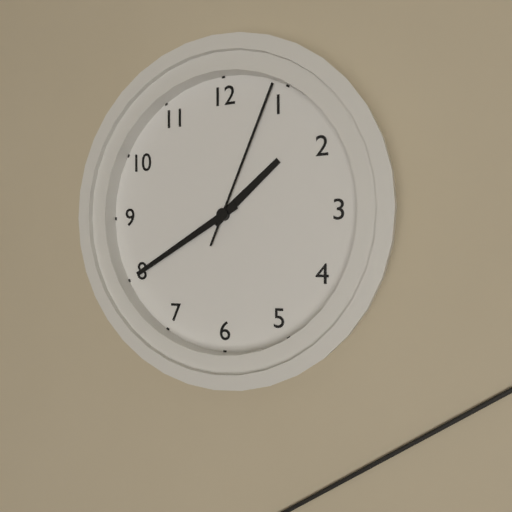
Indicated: 1:40:04
